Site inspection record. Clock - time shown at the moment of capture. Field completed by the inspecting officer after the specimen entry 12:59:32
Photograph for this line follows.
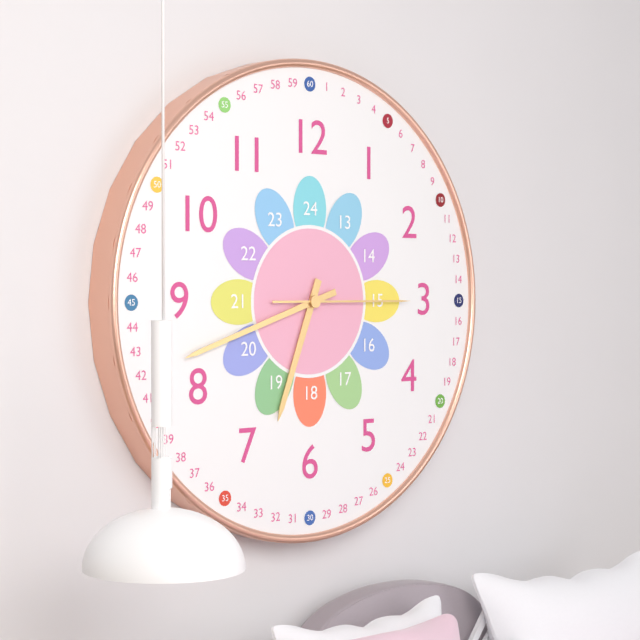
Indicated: 6:42:15
